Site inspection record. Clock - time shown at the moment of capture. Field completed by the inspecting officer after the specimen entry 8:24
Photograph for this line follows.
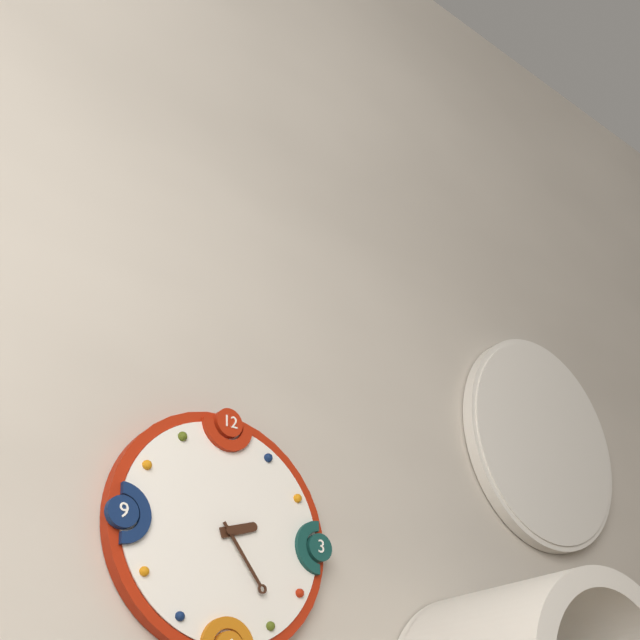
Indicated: 2:24
